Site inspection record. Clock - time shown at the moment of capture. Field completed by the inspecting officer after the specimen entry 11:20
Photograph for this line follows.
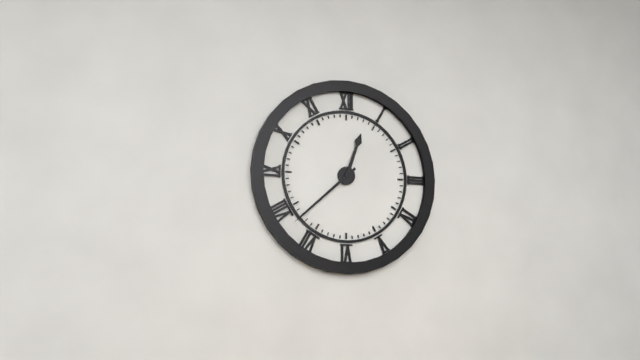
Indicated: 12:38
